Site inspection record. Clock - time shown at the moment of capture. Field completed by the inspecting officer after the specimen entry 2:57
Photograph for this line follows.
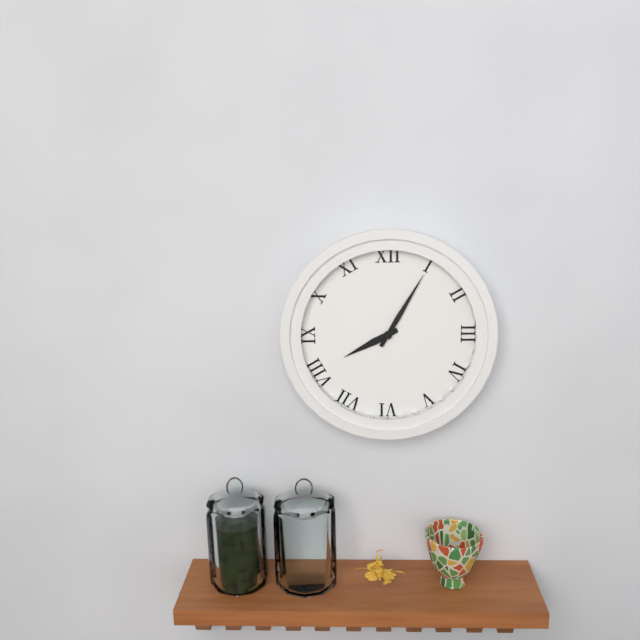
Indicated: 8:05
